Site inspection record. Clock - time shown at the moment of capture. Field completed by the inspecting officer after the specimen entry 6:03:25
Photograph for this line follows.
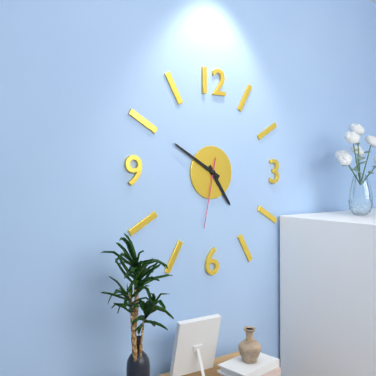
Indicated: 4:50:32
